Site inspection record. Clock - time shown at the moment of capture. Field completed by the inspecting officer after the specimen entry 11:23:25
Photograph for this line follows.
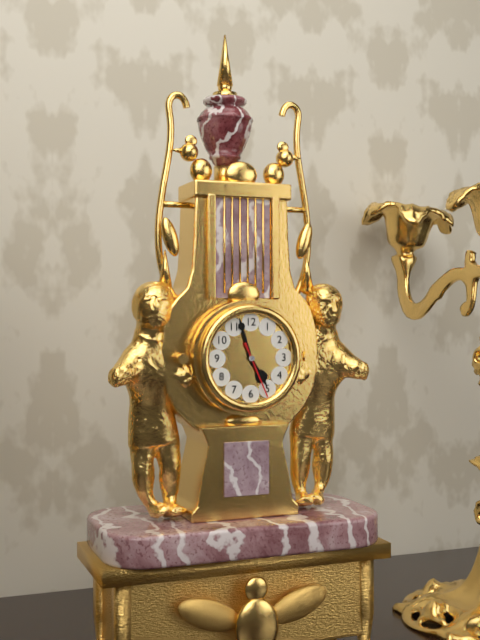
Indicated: 4:57:26
